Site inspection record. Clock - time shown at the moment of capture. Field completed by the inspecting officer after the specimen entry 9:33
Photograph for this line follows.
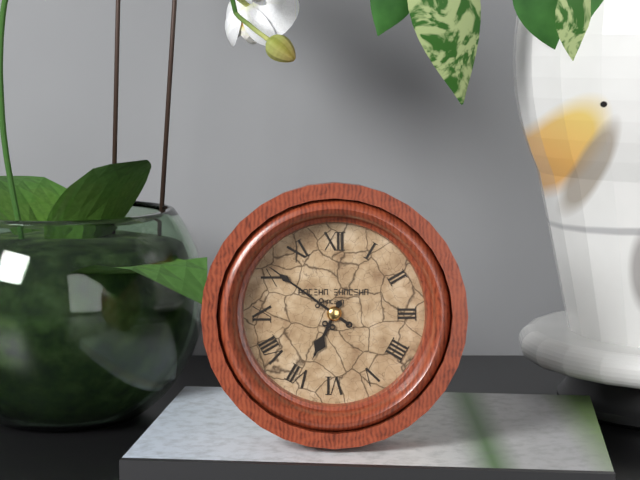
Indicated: 6:51
